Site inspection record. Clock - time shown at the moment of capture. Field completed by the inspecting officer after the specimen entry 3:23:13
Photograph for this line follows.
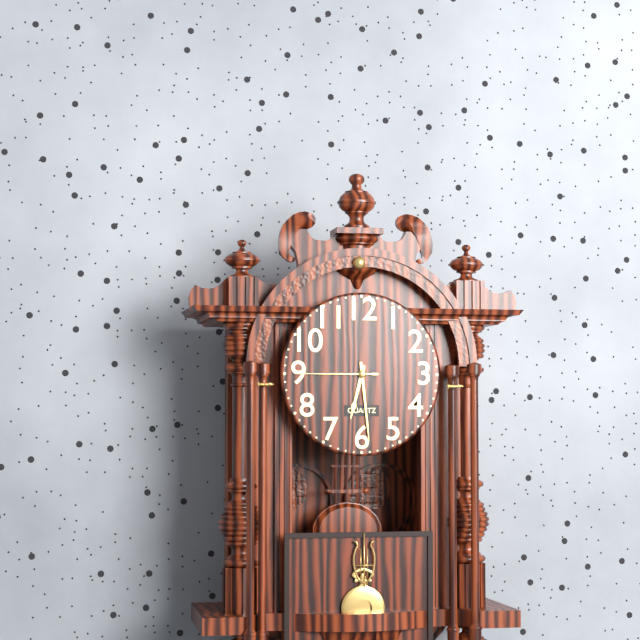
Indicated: 6:29:45
